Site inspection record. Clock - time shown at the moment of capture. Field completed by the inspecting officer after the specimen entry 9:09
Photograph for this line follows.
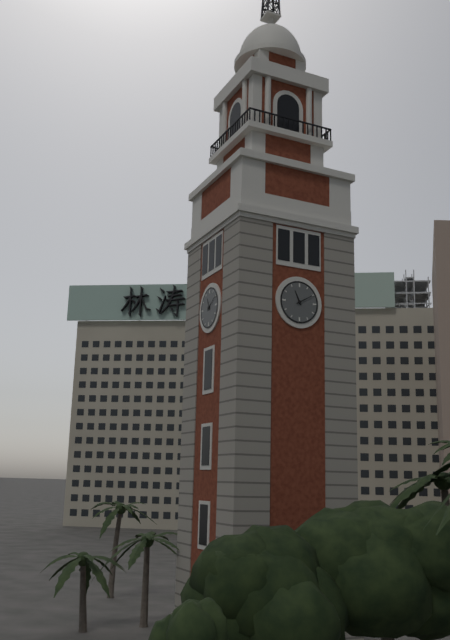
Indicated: 11:10
